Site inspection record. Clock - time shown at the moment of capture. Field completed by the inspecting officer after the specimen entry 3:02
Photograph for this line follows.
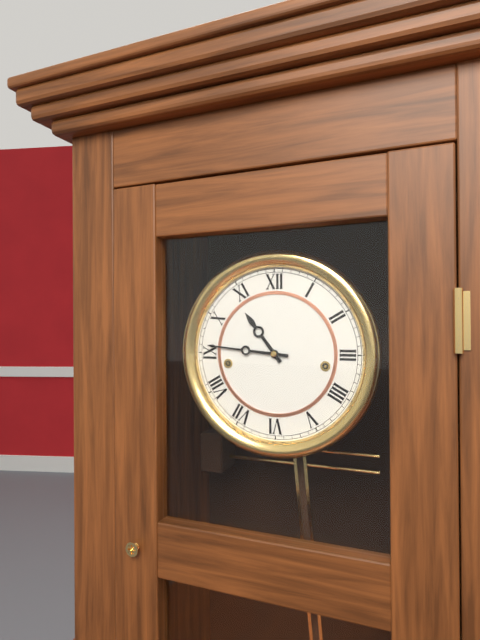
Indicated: 10:46
